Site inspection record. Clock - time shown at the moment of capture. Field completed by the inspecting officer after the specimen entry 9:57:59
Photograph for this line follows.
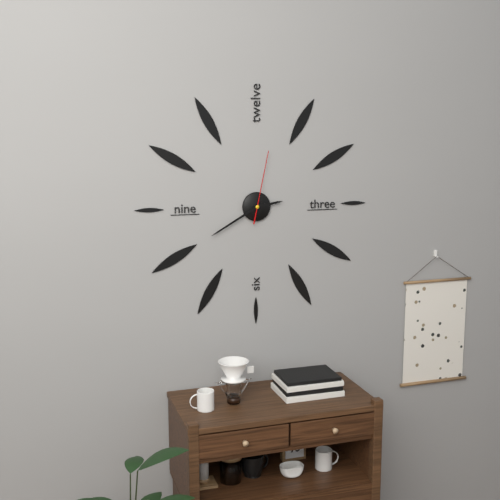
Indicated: 2:40:02
